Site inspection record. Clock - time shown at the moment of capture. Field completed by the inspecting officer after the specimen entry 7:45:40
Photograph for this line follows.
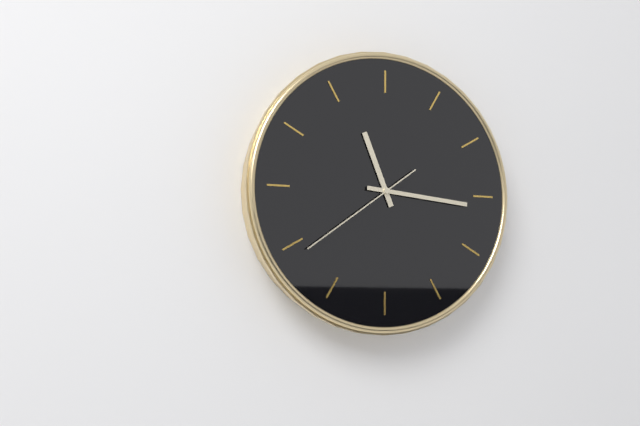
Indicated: 11:16:39
